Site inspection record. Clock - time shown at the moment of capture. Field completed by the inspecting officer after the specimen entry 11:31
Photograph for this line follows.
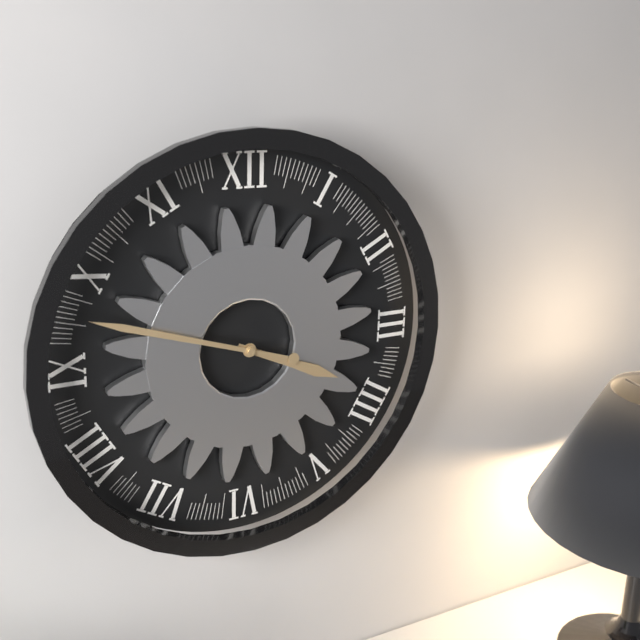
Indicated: 3:48
